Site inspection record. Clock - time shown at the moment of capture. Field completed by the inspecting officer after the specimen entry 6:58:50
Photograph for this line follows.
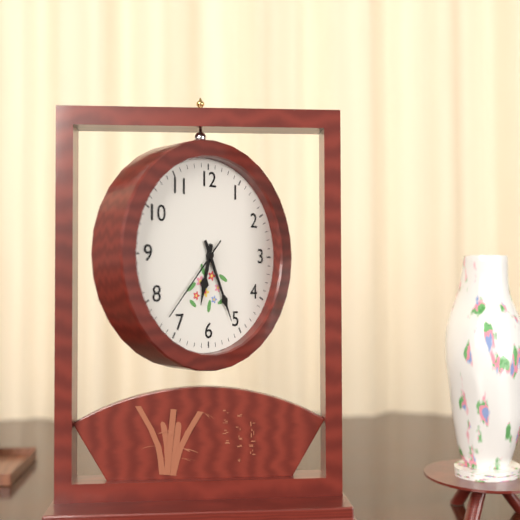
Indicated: 6:26:37
